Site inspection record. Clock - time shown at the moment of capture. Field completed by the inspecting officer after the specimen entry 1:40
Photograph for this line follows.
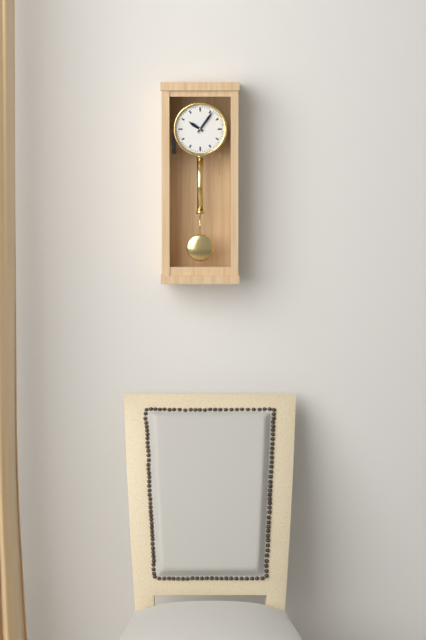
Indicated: 10:06
